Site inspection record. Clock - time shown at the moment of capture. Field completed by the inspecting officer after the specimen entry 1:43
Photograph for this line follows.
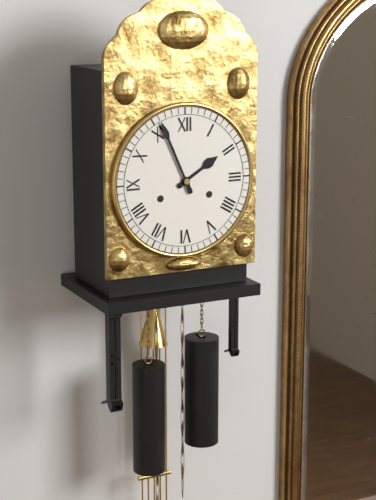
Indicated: 1:56
